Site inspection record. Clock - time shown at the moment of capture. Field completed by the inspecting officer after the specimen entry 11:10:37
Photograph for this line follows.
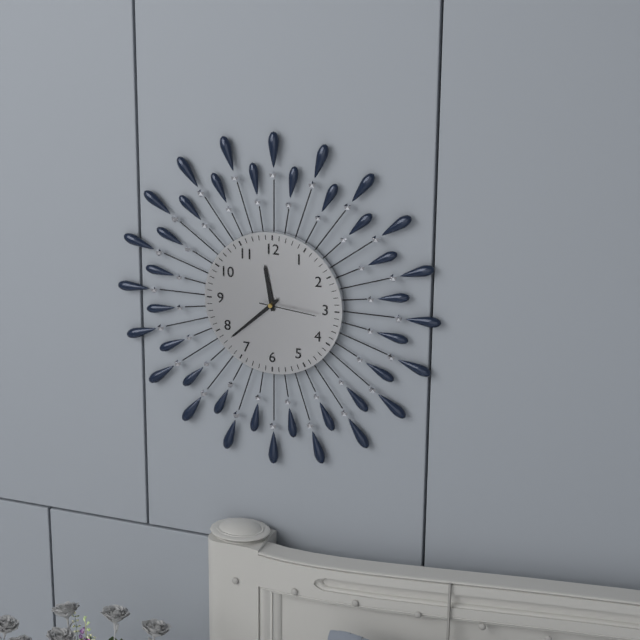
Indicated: 11:38:16
